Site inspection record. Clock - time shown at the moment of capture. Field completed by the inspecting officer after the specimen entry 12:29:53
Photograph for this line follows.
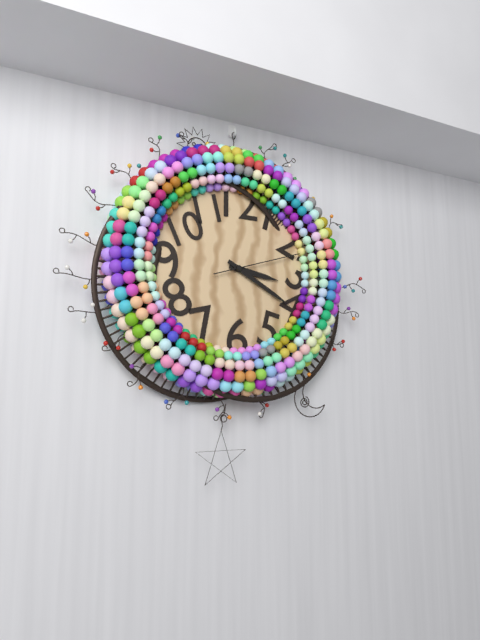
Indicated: 3:20:12
